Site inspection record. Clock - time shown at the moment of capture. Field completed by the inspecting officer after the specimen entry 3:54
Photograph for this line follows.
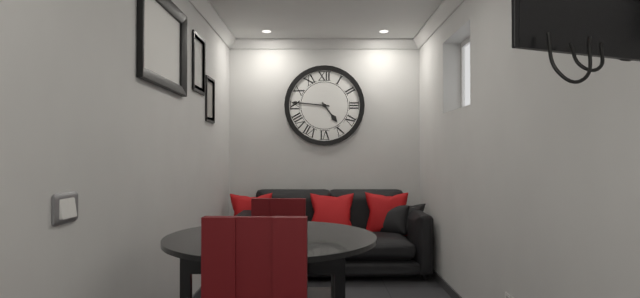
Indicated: 4:46
